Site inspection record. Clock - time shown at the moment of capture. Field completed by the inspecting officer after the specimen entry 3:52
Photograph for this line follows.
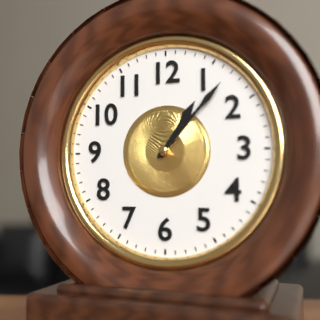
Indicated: 1:07
